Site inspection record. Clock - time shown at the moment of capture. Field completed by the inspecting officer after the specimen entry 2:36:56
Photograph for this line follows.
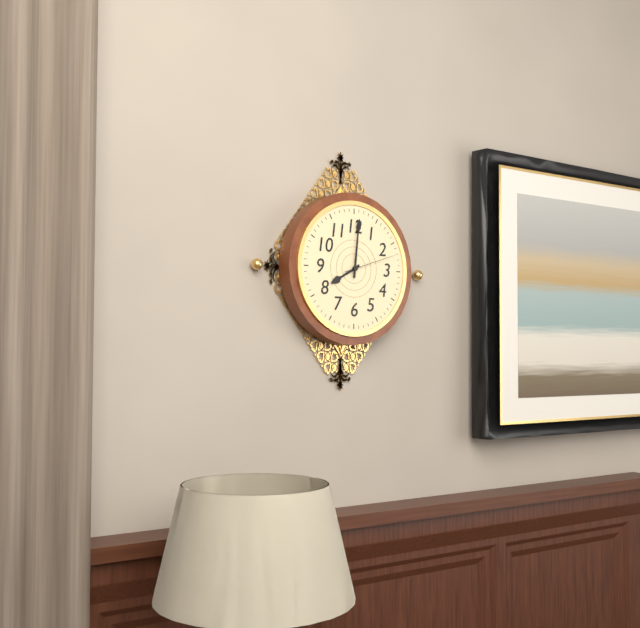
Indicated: 8:01:12
